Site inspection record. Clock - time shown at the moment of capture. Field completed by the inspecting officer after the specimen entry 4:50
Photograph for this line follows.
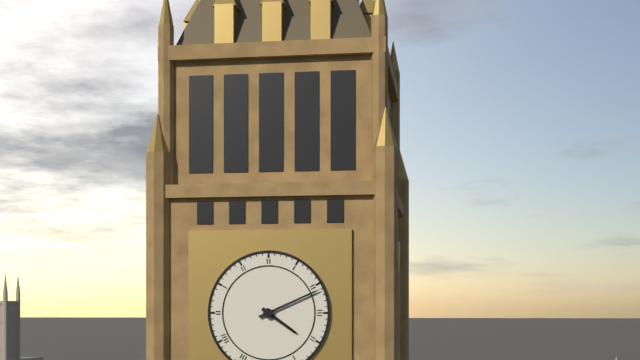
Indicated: 4:11
